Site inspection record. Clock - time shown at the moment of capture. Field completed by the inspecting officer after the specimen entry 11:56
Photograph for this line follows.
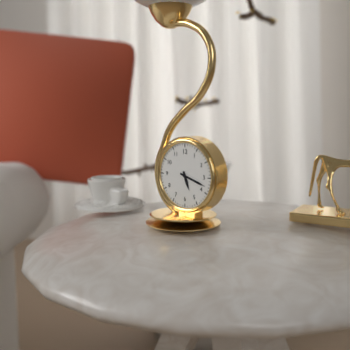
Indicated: 5:18
